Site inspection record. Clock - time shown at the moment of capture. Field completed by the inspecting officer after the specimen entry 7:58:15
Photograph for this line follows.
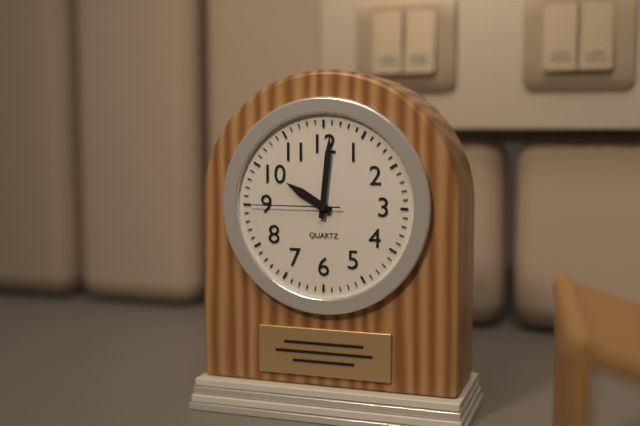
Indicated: 10:01:45
